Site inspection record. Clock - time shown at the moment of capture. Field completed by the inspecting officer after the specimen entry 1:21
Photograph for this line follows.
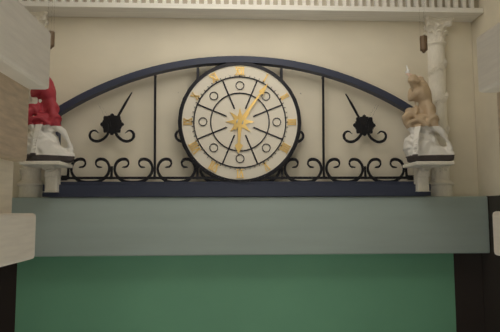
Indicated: 6:06
